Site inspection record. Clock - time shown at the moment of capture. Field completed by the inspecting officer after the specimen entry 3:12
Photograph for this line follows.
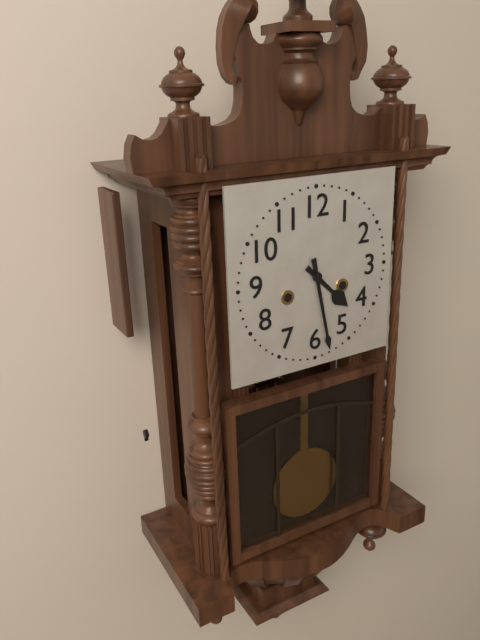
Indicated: 4:28
